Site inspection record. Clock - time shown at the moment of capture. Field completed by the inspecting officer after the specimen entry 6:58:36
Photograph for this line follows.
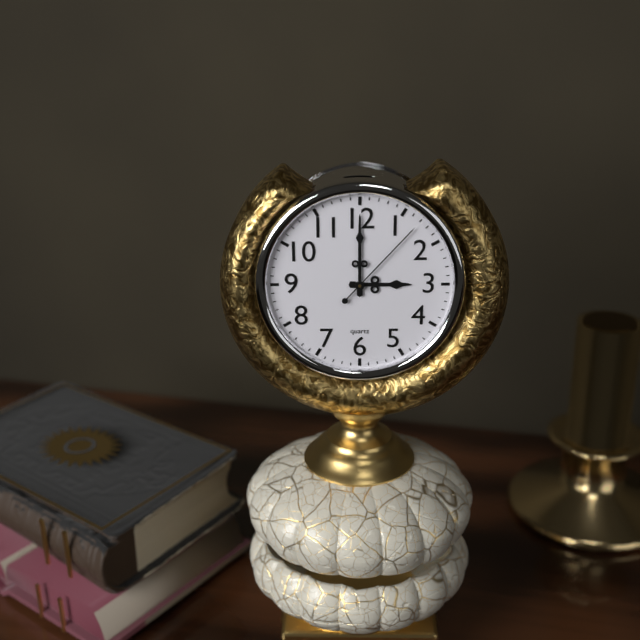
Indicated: 3:00:07
